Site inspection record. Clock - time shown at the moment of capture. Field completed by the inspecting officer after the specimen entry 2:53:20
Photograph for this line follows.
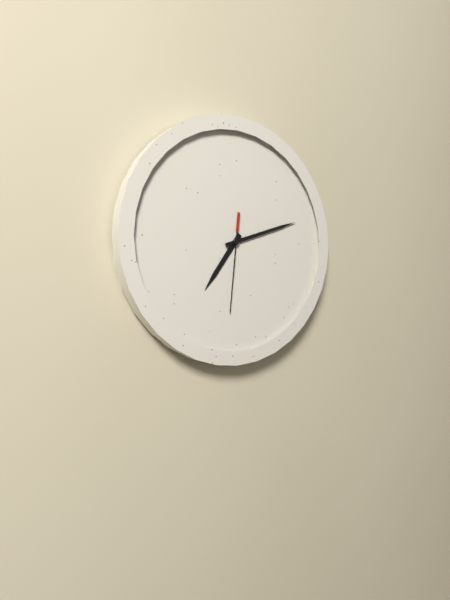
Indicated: 7:12:31
